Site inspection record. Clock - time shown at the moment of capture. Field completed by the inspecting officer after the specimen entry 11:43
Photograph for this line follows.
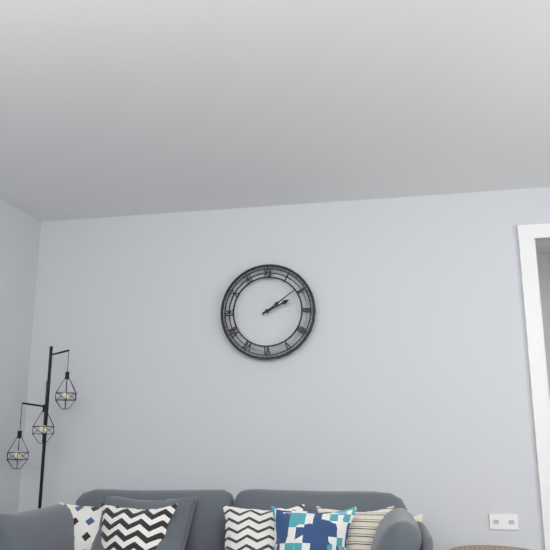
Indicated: 2:09
